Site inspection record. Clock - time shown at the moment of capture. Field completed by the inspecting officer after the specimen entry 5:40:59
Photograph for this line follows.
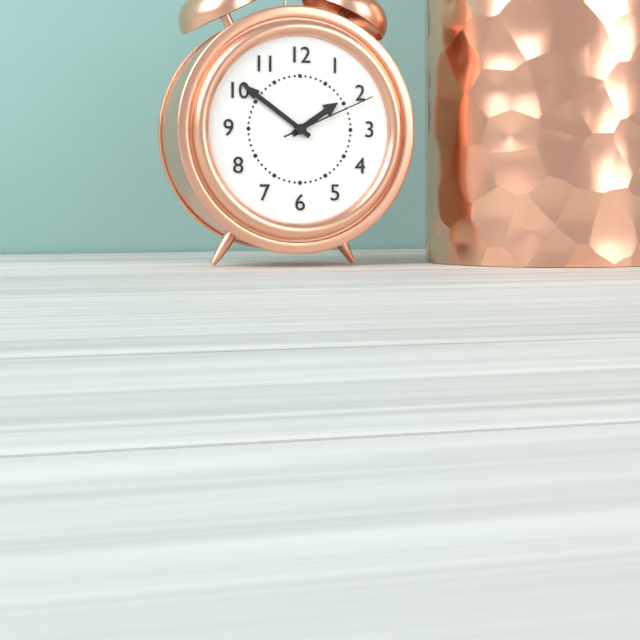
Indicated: 1:51:11
